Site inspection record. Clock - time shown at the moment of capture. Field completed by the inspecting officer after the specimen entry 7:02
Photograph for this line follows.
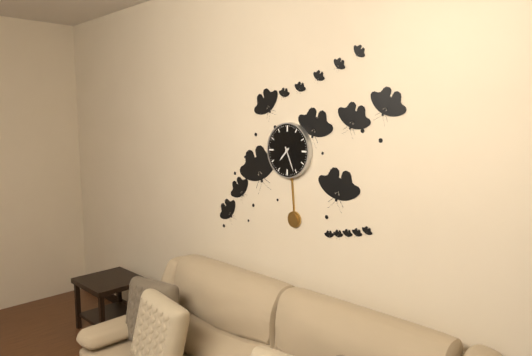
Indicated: 7:26
